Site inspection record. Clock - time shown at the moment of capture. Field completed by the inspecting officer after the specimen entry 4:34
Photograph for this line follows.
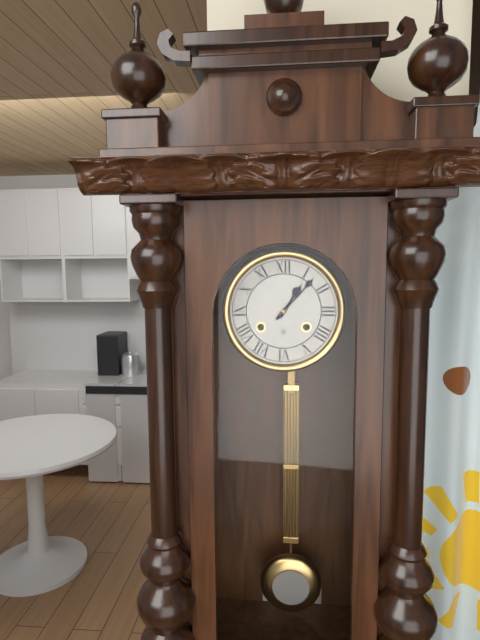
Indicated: 1:07
